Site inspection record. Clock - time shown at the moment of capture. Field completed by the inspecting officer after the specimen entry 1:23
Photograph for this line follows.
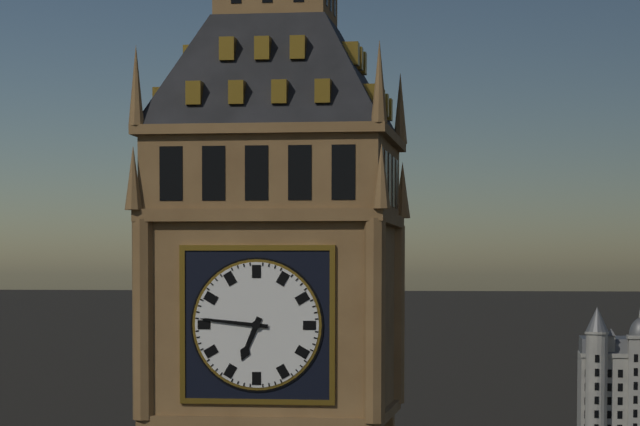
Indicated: 6:46
